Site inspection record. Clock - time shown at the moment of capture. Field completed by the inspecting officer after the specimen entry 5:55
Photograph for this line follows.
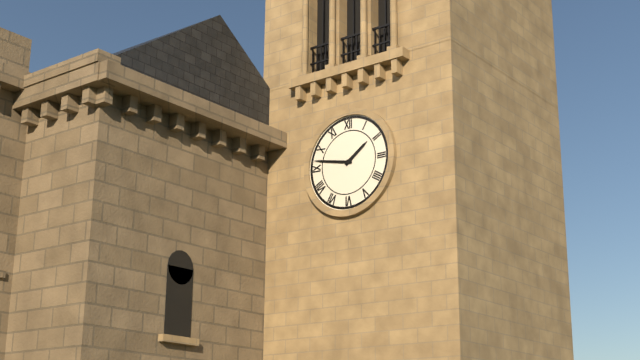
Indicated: 1:47
